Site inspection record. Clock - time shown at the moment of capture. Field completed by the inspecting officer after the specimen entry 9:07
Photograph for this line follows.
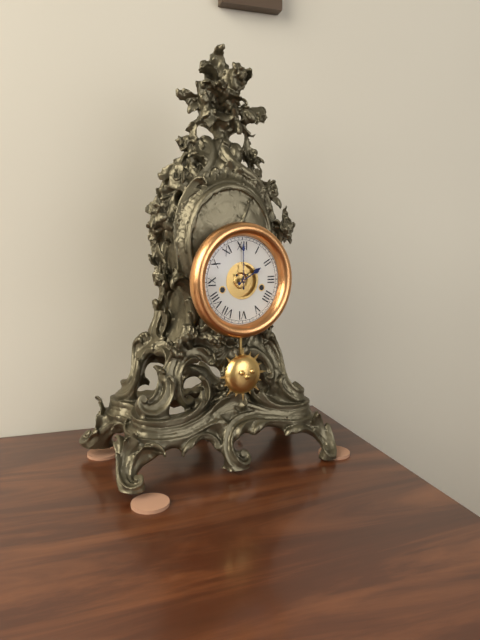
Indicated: 2:00
